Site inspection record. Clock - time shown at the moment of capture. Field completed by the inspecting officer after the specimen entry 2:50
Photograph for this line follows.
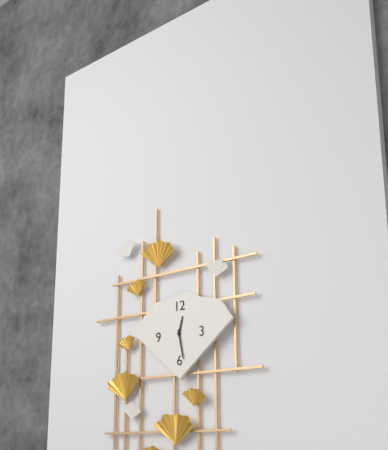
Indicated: 12:28
